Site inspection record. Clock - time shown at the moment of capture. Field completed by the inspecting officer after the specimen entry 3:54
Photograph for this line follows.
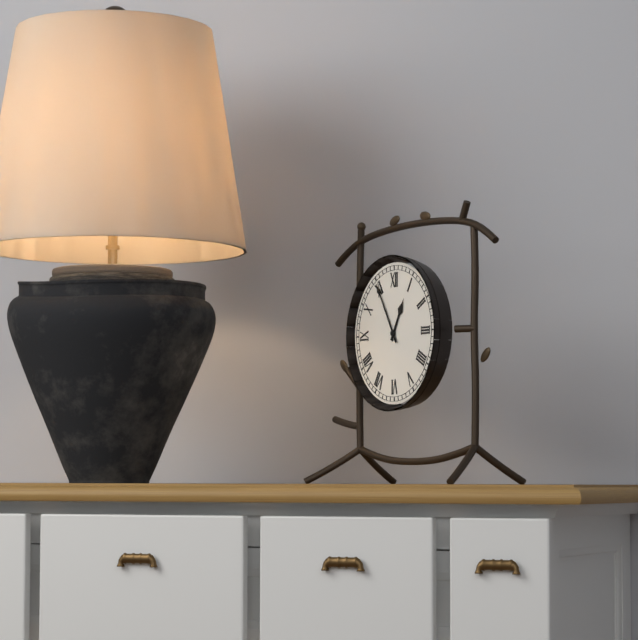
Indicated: 12:55
